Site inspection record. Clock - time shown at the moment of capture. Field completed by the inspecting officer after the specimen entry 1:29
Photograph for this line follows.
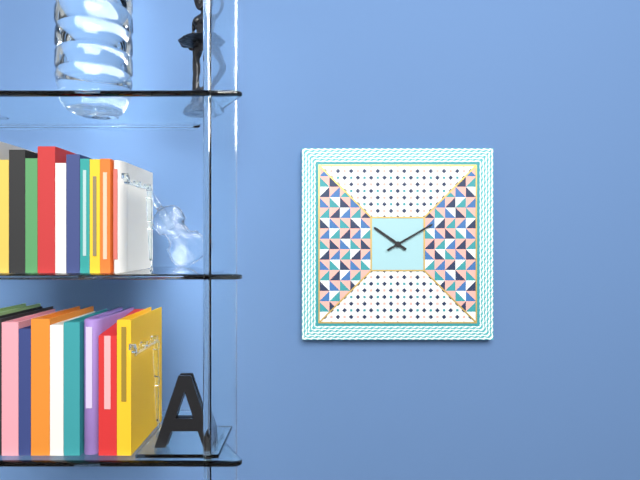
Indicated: 10:10
